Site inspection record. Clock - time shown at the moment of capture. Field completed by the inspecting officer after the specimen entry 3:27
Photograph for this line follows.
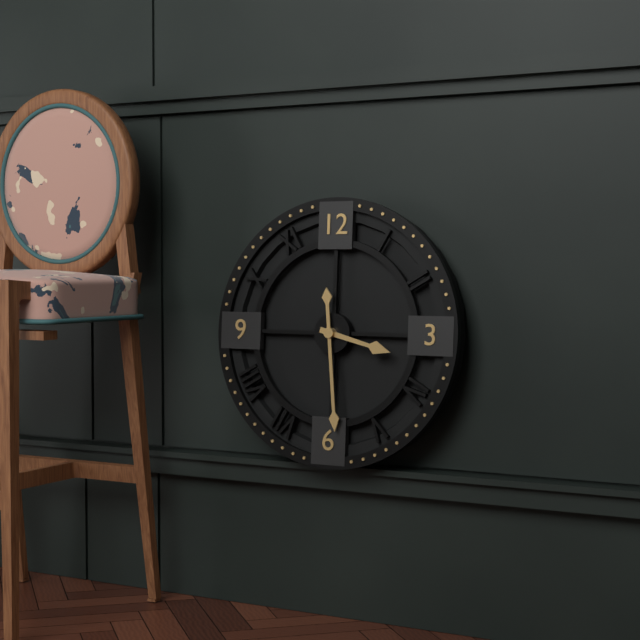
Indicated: 3:29
